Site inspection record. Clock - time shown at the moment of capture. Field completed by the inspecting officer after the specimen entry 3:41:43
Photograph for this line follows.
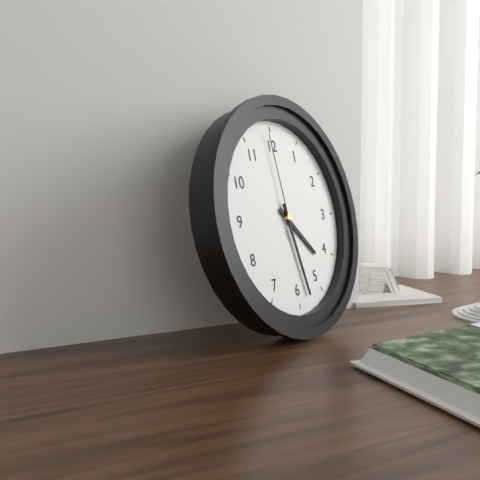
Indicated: 4:28:59
